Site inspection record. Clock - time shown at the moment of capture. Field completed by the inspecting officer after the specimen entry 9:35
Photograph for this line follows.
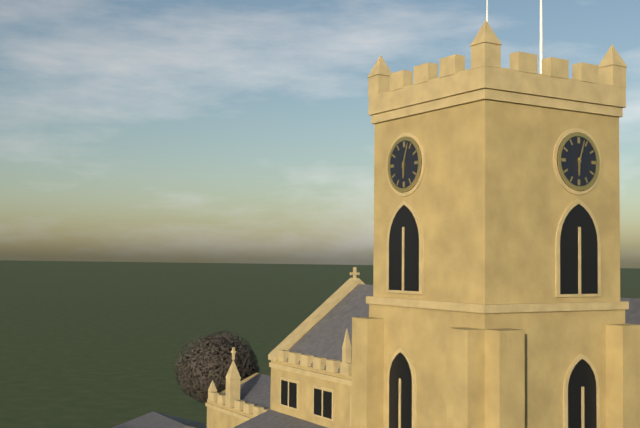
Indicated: 6:03
